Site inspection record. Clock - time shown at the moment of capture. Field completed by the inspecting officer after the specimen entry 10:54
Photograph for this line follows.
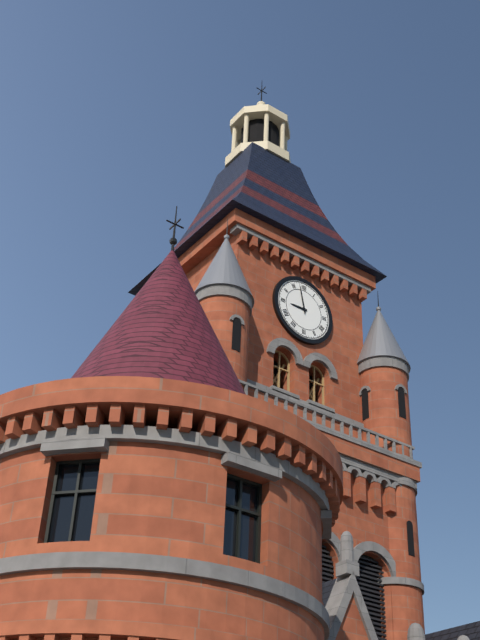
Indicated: 8:58
